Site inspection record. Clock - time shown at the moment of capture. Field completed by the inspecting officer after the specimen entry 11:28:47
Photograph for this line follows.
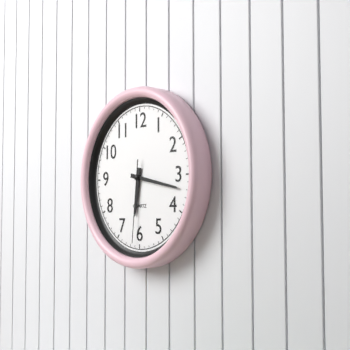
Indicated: 6:17:31
